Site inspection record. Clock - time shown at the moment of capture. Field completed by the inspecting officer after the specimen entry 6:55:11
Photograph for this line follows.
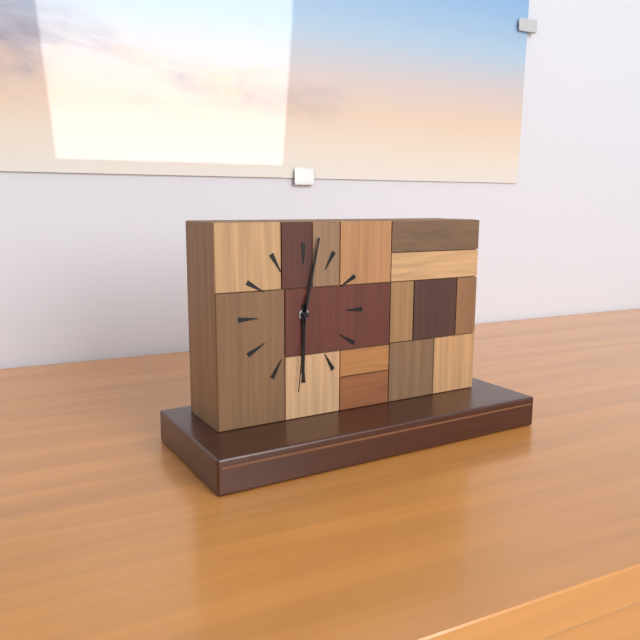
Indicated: 6:02:31
